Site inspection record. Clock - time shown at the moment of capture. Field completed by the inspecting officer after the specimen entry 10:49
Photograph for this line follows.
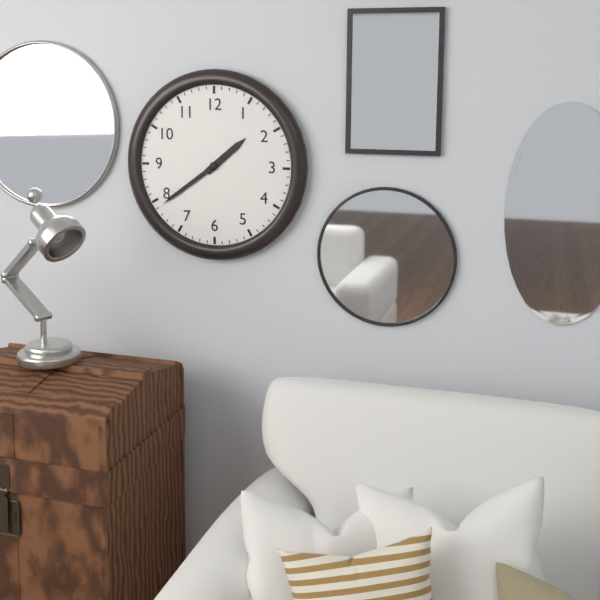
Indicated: 1:39
